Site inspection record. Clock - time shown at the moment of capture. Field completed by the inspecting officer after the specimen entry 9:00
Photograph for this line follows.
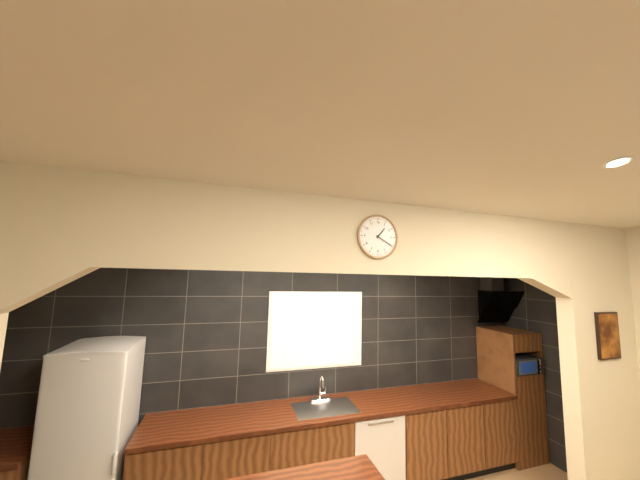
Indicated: 1:20
